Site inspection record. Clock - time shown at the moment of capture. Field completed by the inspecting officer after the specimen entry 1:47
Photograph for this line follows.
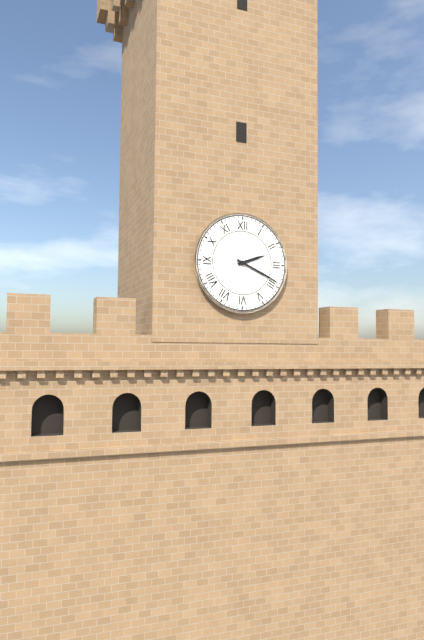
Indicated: 2:19
